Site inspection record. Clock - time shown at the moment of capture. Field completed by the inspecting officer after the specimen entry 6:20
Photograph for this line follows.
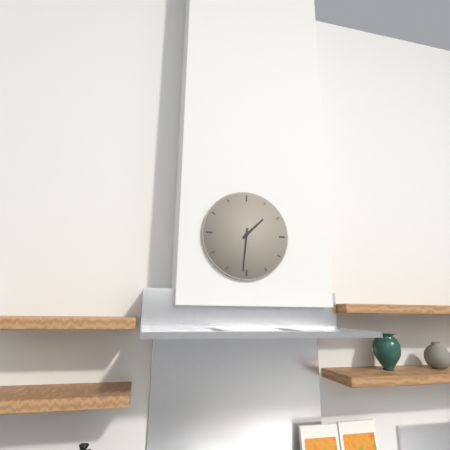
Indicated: 1:31
